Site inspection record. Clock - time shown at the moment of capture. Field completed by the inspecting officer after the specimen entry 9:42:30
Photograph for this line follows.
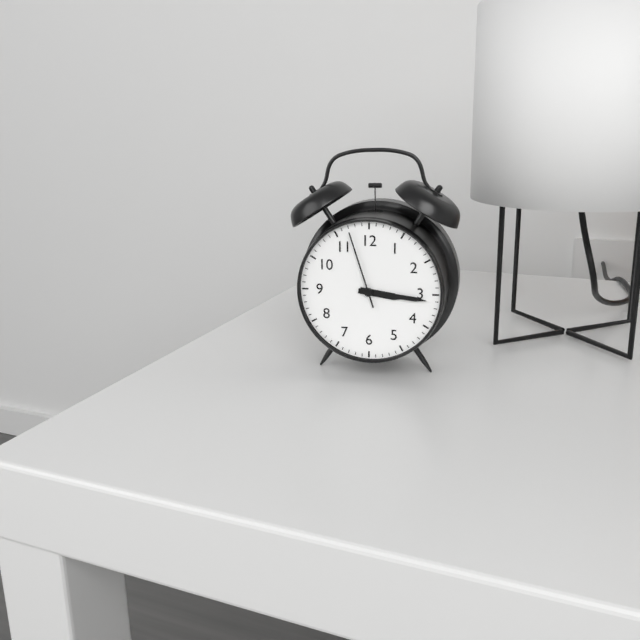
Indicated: 3:16:57
